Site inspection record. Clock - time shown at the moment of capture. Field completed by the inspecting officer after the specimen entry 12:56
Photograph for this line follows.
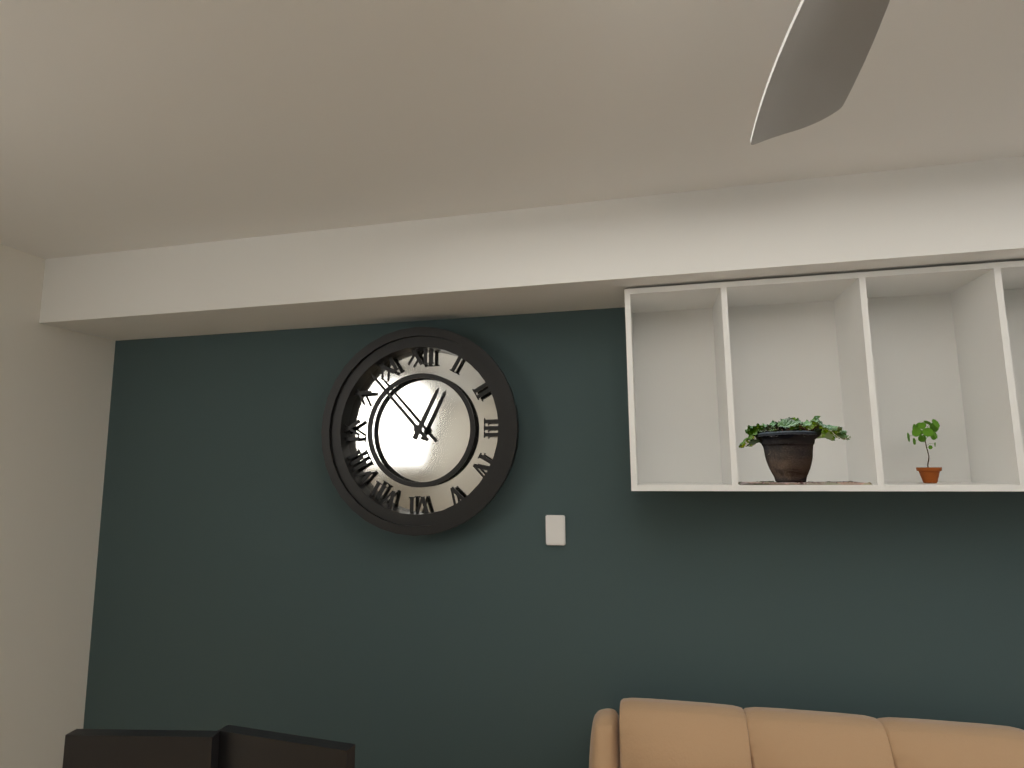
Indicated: 12:53
